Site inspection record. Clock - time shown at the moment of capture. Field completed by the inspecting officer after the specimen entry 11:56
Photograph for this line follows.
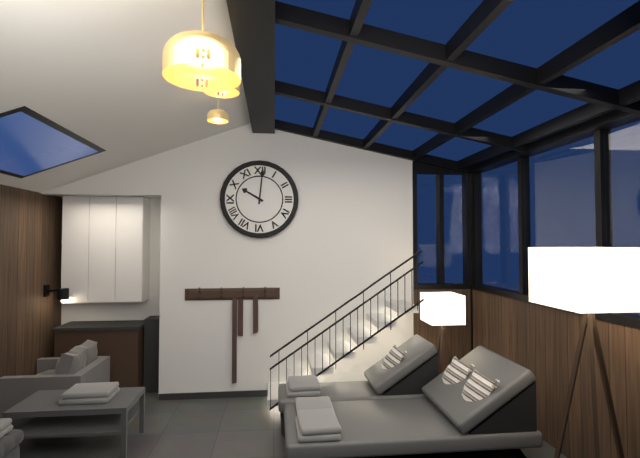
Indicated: 10:01
